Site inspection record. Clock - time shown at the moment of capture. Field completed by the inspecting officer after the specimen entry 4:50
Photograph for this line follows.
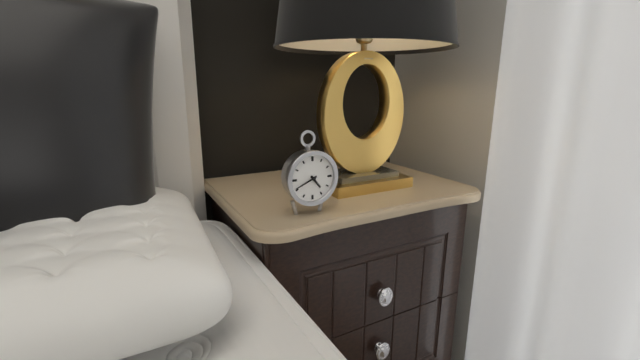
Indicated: 4:41
